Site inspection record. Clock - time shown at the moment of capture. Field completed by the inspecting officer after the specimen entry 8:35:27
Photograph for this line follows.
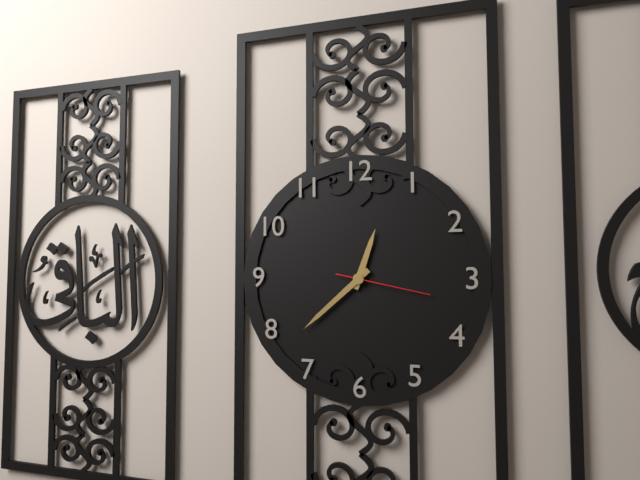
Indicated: 12:38:17
